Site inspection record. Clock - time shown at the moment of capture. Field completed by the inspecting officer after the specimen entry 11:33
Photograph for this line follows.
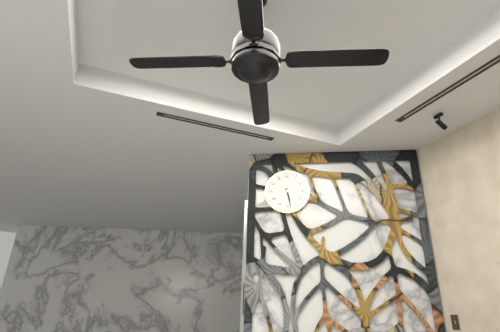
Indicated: 5:28
